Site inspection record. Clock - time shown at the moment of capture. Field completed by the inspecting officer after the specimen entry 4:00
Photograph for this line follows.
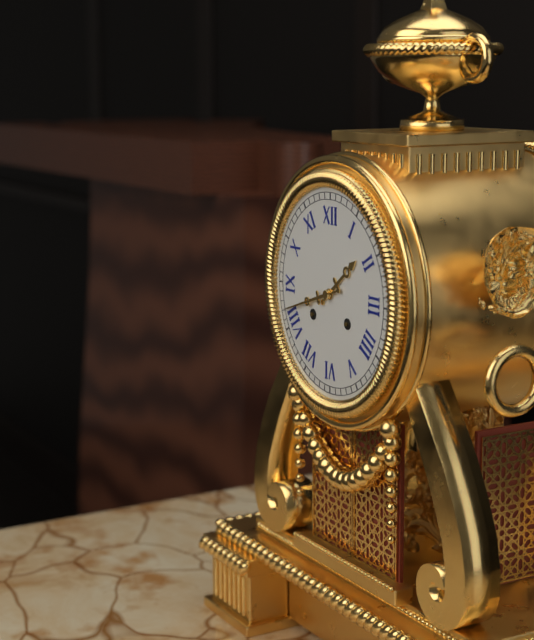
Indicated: 1:42
